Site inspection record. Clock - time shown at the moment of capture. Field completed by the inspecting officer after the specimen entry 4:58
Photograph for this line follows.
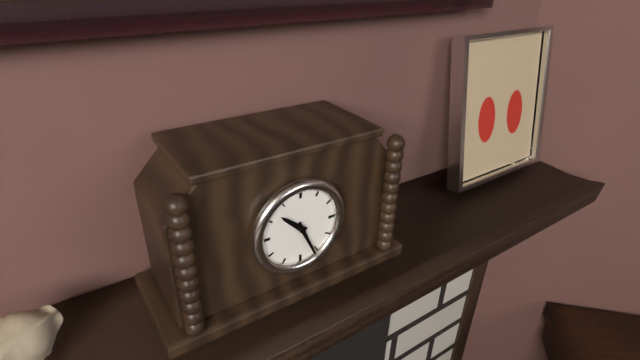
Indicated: 10:26
